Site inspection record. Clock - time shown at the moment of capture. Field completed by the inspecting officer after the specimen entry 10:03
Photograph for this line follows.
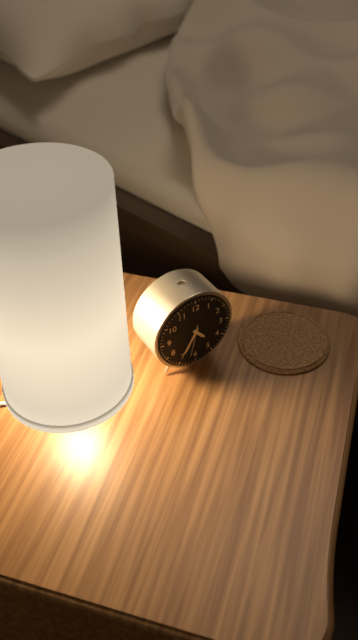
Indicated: 4:35
